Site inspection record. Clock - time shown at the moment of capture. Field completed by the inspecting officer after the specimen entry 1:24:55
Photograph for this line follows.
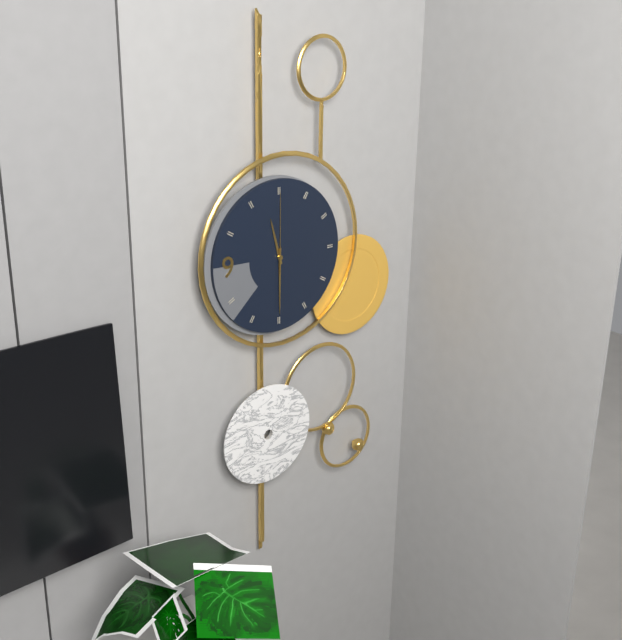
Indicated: 11:30:00
